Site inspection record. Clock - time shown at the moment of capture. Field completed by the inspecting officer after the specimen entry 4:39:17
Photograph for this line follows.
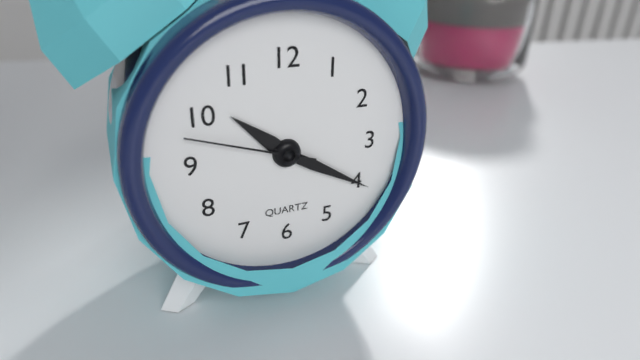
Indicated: 10:20:48
